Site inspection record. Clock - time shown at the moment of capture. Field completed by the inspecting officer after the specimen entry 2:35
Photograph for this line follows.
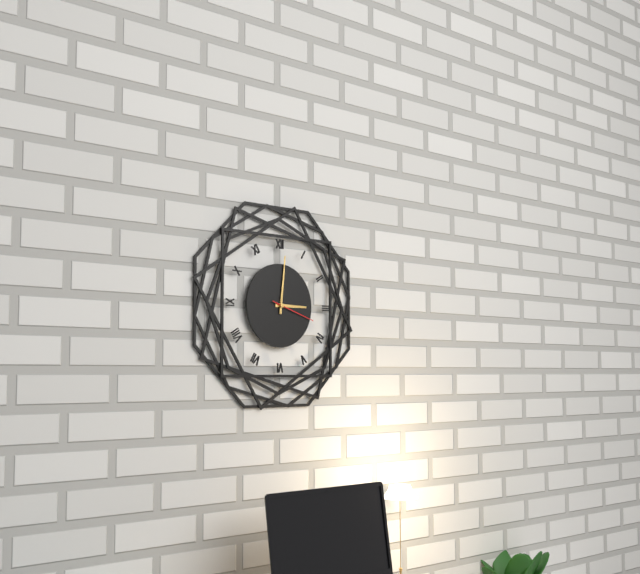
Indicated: 3:01
